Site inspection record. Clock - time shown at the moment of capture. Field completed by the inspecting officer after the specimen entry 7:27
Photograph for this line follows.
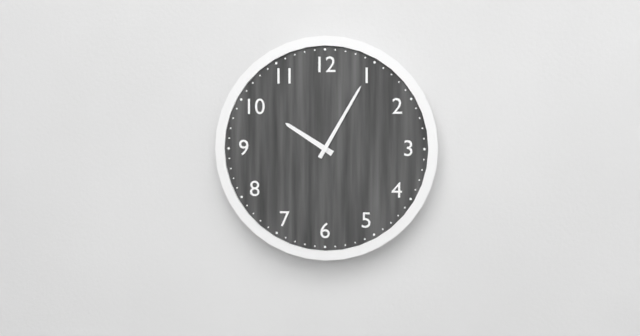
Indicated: 10:05
